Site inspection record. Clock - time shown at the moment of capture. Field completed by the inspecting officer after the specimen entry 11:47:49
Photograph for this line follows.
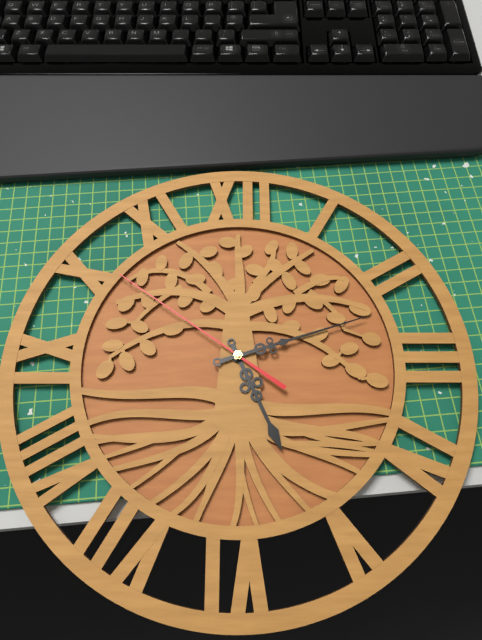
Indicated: 5:12:51
